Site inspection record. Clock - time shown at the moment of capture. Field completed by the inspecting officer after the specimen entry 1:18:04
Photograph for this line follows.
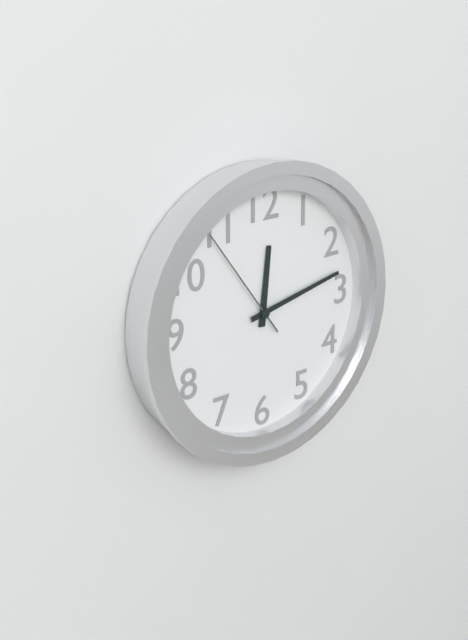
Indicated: 12:13:54
